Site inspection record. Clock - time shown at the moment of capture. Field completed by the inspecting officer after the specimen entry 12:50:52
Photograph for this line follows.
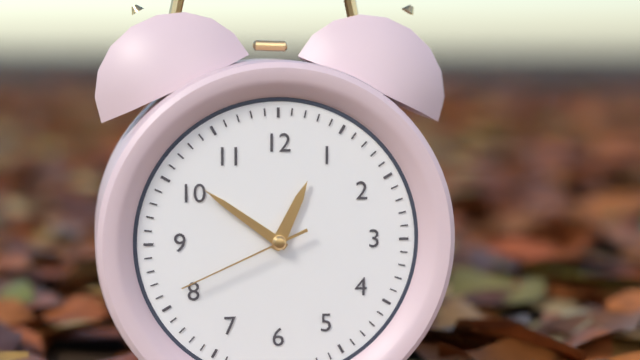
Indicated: 12:51:41
